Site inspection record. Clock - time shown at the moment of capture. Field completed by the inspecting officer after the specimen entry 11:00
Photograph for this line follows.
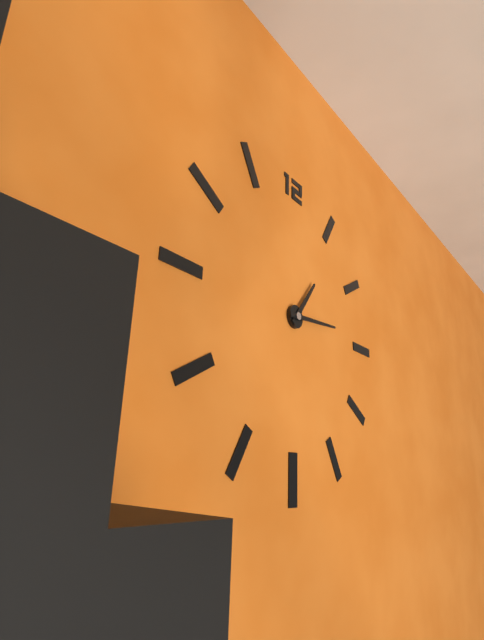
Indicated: 1:14
